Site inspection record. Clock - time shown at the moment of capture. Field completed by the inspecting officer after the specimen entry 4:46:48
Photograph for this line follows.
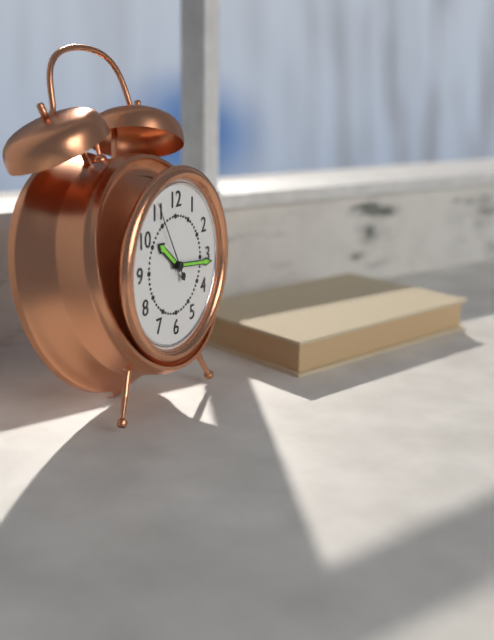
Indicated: 10:16:55
